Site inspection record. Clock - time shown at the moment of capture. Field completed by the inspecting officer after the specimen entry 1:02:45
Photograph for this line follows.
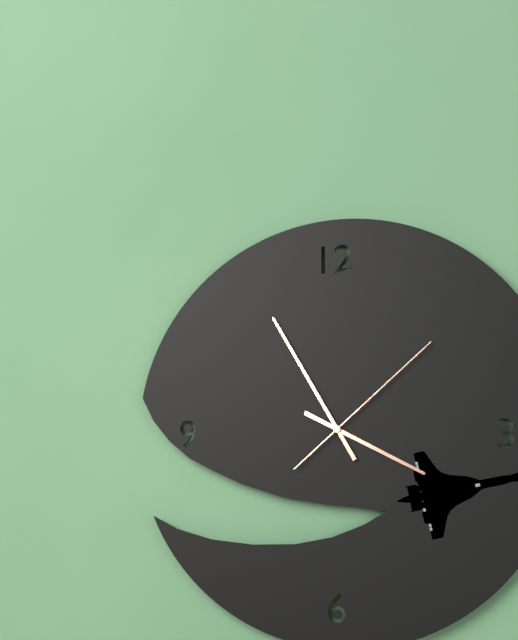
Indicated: 3:55:08
